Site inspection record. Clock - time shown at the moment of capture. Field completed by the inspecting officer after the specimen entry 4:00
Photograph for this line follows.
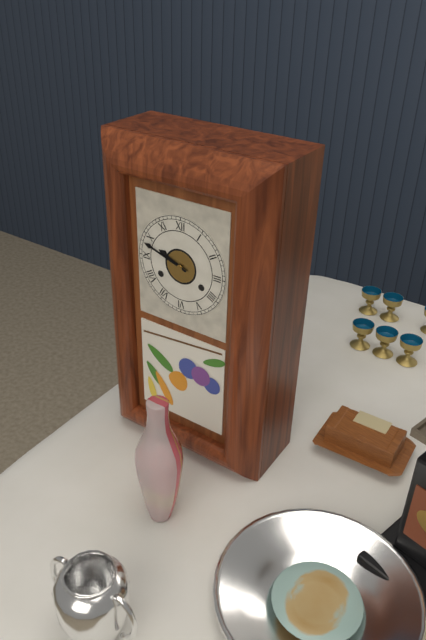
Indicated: 9:48
